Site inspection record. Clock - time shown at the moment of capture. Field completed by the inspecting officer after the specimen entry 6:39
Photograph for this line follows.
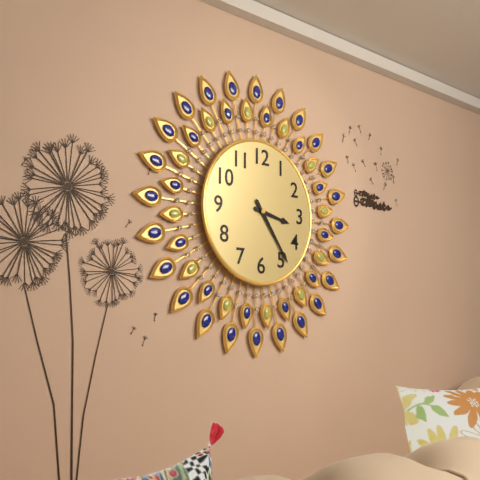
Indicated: 3:24
